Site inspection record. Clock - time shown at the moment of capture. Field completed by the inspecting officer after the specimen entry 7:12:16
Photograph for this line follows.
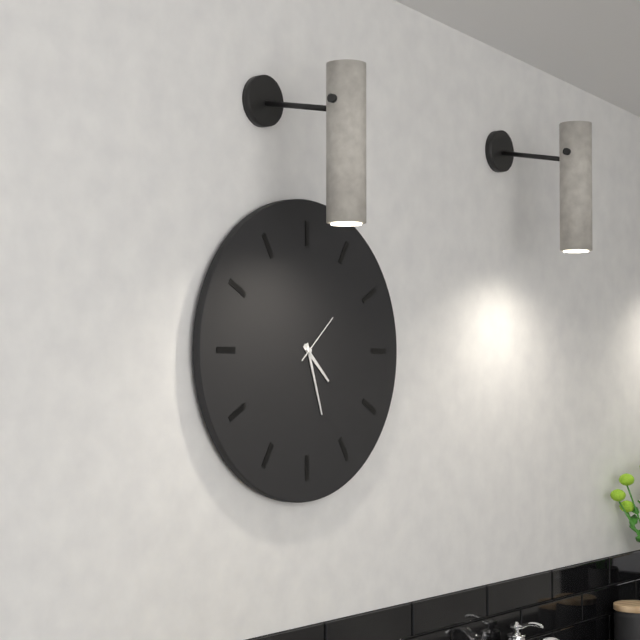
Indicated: 4:27:08
